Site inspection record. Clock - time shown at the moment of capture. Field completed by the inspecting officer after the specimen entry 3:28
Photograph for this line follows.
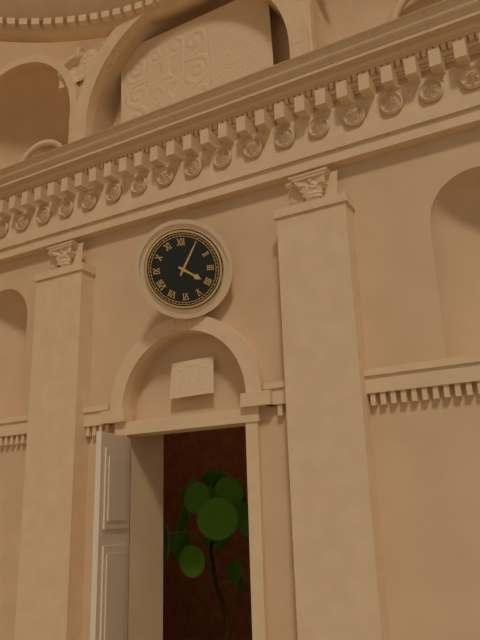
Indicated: 4:05
